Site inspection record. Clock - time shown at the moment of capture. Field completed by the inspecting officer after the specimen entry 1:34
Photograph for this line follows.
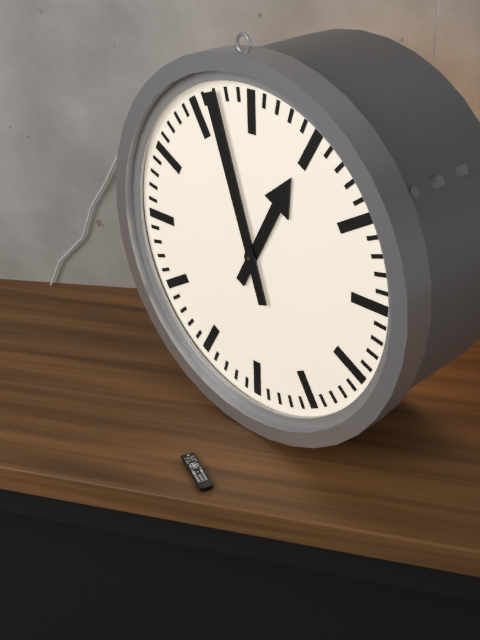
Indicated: 12:57
